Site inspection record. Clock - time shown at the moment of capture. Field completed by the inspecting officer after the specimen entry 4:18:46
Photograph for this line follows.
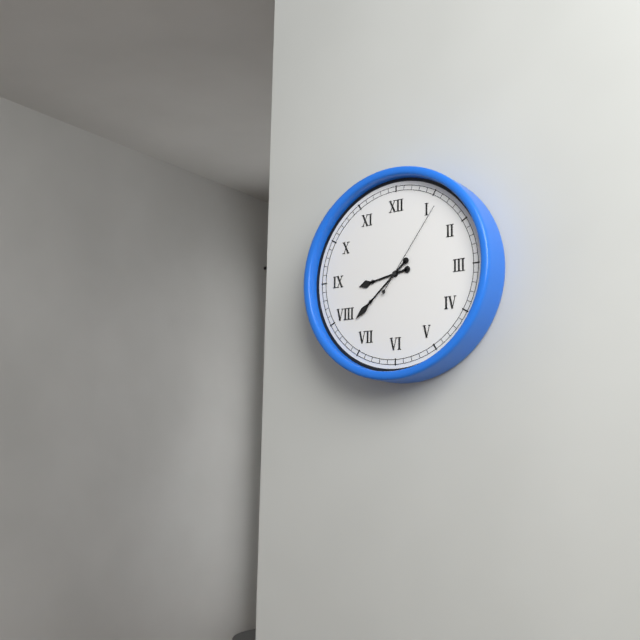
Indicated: 8:38:06
